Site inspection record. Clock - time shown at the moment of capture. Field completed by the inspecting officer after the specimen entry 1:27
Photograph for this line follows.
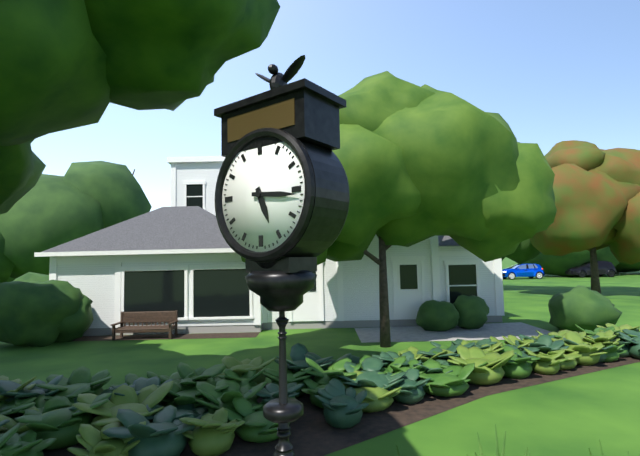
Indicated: 5:16
